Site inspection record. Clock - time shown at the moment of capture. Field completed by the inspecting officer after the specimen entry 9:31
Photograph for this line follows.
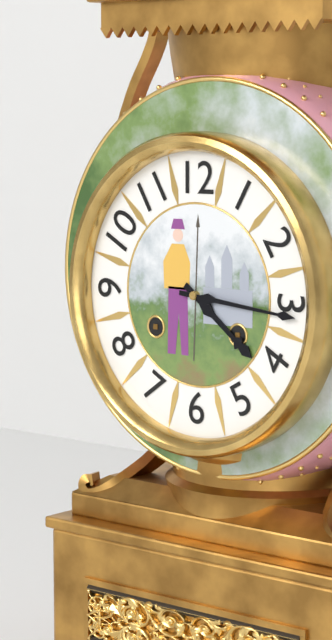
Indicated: 4:16
